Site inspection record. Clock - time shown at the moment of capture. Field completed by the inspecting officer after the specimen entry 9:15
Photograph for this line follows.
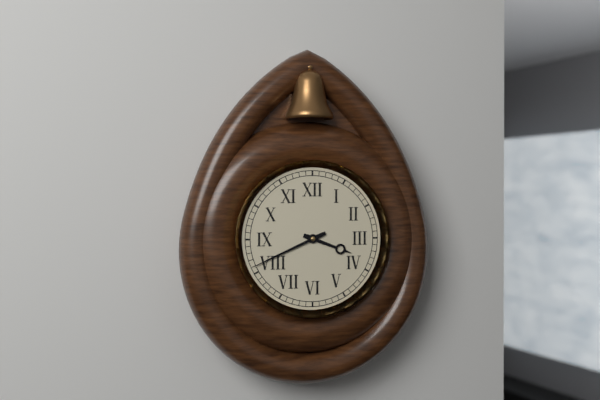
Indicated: 3:41
